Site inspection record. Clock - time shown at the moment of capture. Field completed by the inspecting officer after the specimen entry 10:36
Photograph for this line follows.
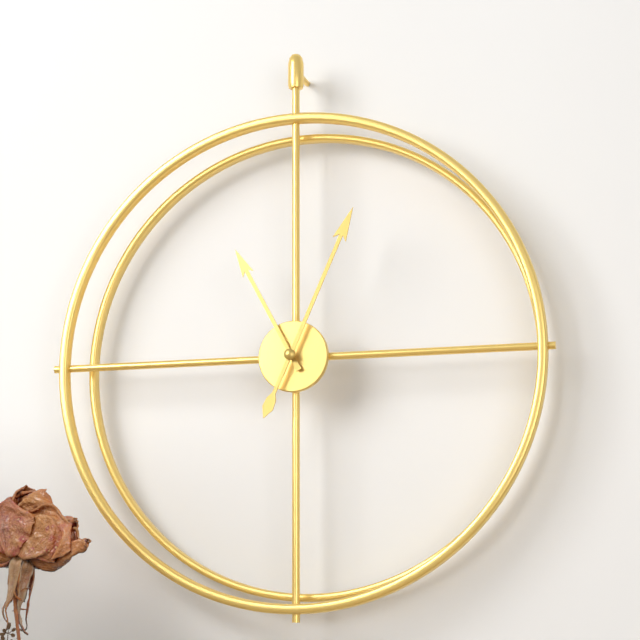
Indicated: 11:04
